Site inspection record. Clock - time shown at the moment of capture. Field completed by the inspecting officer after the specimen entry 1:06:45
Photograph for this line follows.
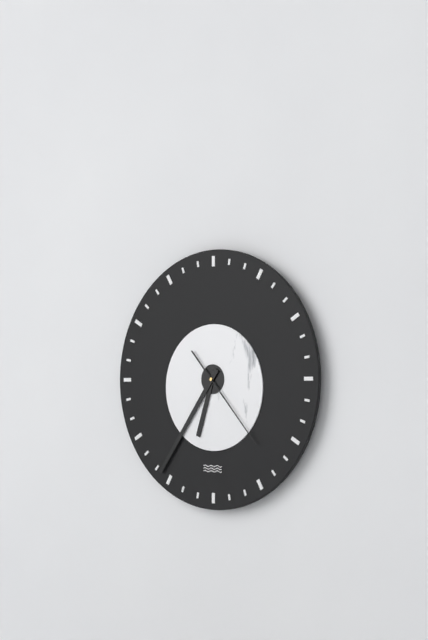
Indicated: 6:36:23
